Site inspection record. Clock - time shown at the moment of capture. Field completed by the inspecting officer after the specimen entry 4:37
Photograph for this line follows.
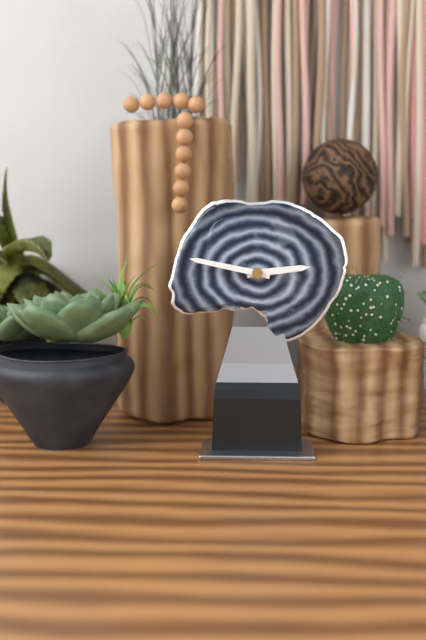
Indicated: 2:47
